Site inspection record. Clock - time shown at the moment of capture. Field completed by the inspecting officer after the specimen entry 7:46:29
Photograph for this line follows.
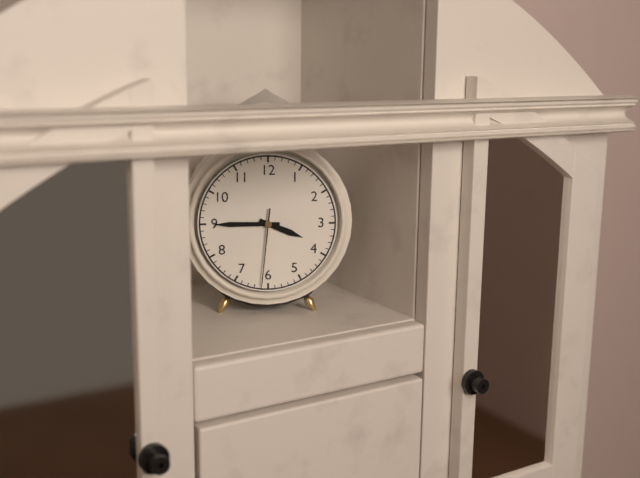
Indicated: 3:45:31
